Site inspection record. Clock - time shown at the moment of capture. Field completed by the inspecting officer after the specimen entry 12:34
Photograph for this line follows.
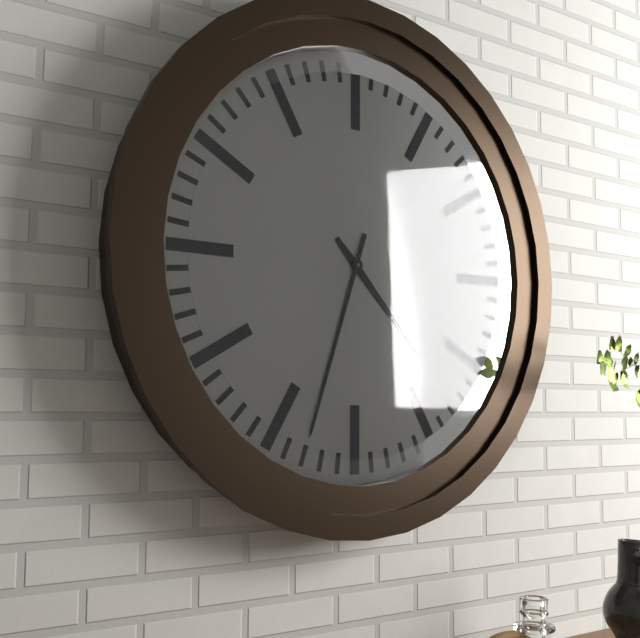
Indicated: 4:33
